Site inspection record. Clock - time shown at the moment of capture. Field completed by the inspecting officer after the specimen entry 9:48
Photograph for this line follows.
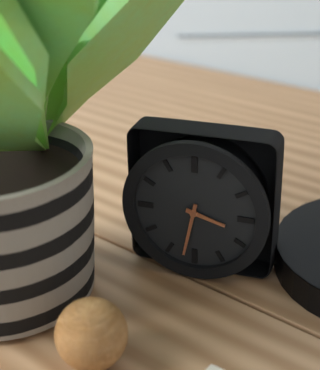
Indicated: 3:32
